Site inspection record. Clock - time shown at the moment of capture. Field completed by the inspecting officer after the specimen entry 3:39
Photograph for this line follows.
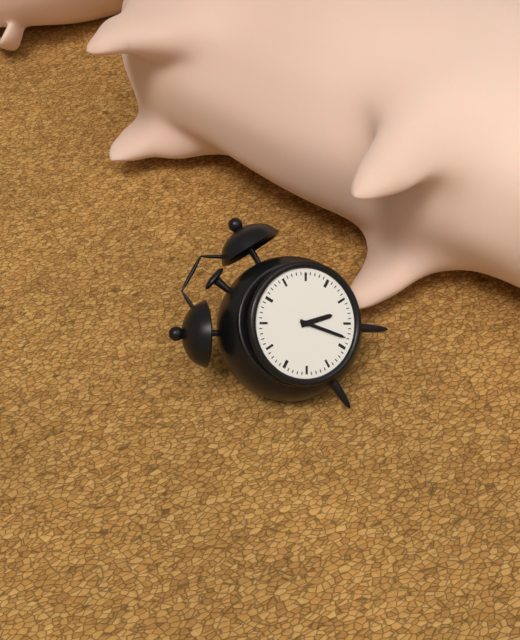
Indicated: 4:28
